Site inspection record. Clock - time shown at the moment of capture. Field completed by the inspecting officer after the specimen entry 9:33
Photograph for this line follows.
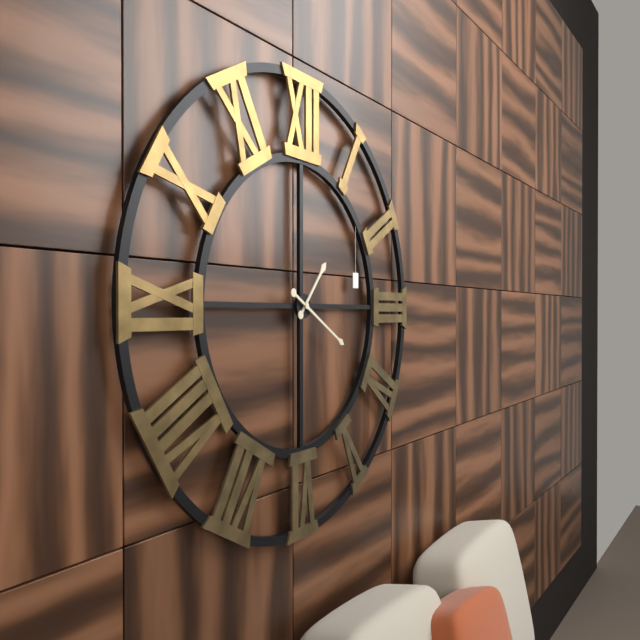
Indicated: 1:20
